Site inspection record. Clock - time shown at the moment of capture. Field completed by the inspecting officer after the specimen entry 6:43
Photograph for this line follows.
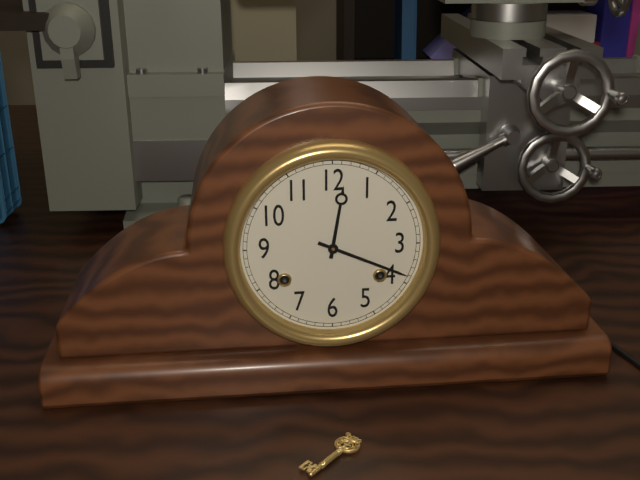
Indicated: 12:19
